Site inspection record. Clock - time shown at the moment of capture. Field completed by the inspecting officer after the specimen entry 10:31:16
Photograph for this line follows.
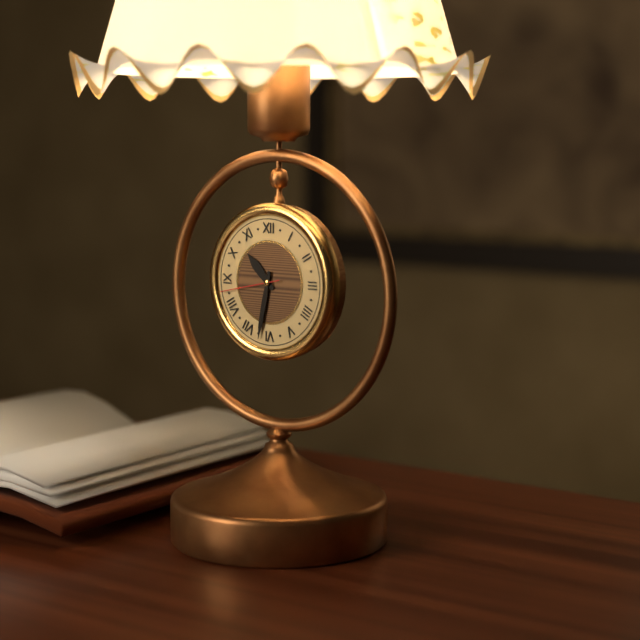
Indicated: 10:32:43
